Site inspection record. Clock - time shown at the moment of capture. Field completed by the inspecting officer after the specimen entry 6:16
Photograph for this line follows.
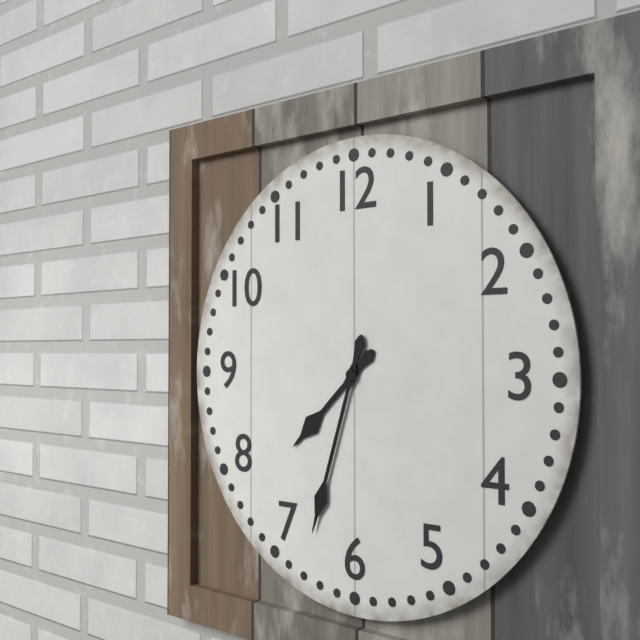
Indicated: 7:33
